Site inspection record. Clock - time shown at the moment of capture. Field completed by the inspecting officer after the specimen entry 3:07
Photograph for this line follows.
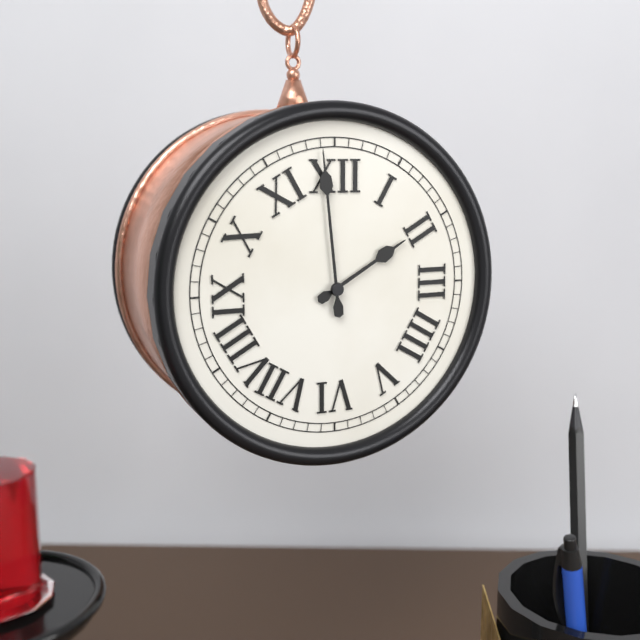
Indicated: 1:59
